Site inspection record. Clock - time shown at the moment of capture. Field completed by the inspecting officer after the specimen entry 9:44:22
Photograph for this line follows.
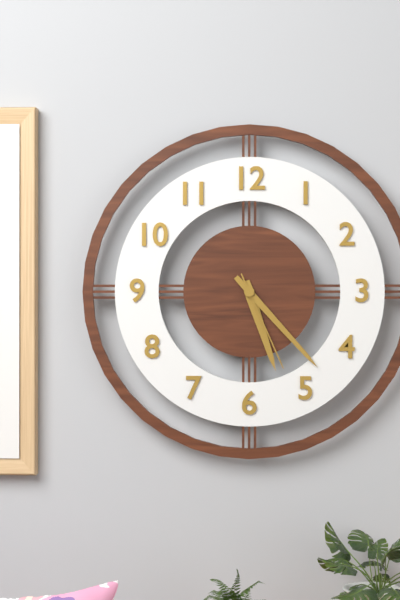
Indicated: 5:23:26
